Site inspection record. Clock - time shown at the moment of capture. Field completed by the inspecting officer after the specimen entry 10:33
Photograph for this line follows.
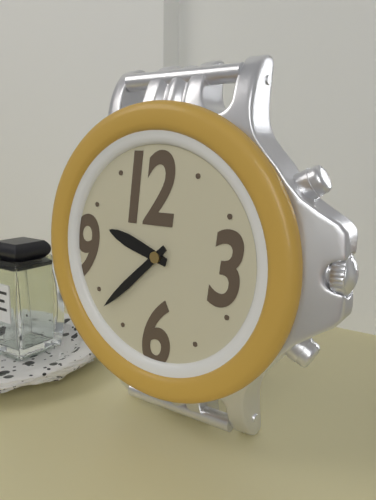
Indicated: 9:38
